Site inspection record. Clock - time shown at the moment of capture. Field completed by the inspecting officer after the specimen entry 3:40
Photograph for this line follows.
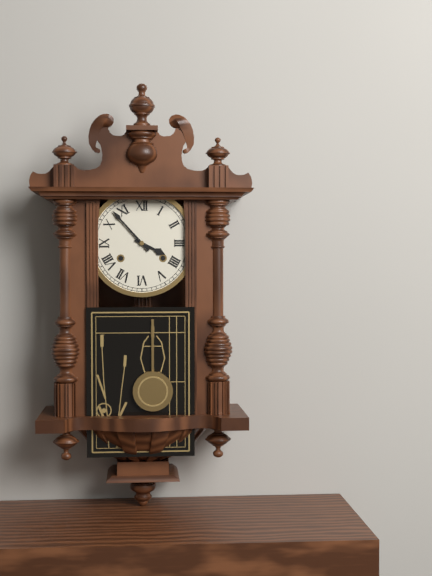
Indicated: 3:53
